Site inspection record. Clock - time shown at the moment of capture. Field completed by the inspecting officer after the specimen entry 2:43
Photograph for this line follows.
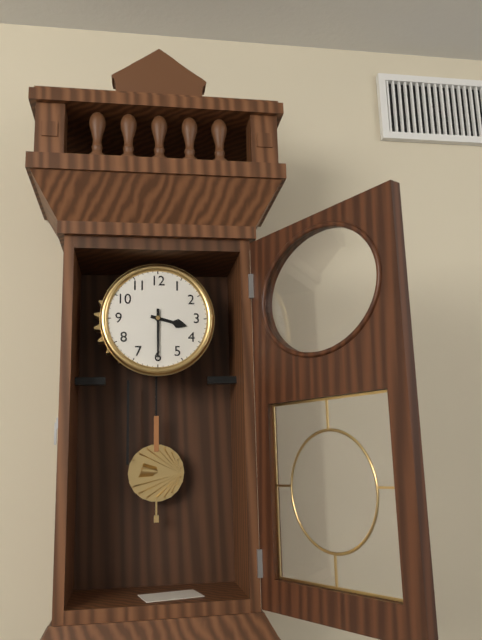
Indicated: 3:30
